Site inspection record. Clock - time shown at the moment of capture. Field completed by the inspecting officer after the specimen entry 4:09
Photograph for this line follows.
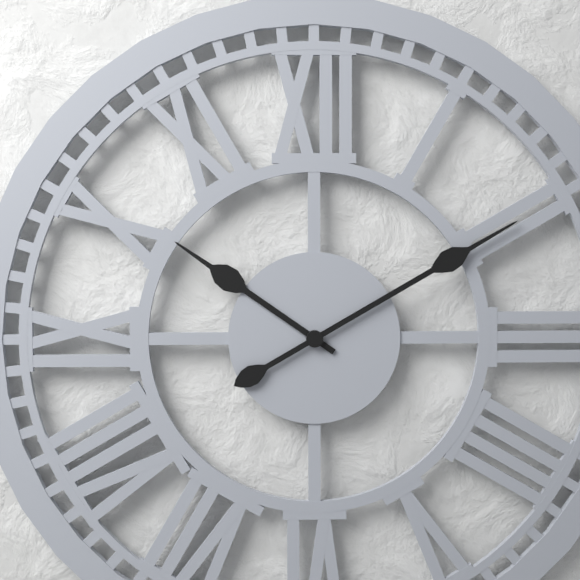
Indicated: 10:10
